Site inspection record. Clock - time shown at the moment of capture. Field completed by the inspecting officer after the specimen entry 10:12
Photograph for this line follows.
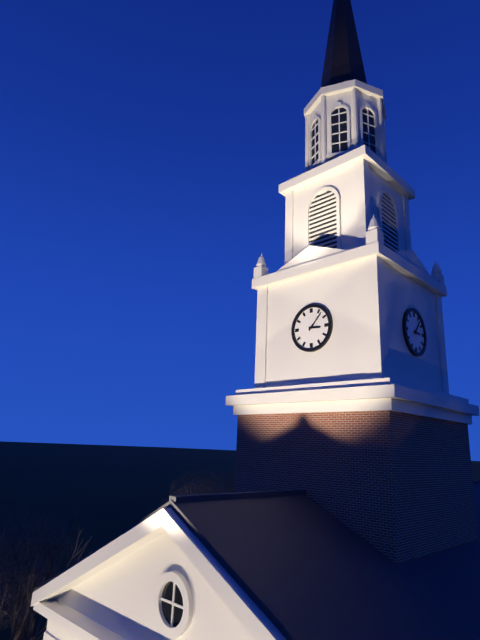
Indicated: 3:07
